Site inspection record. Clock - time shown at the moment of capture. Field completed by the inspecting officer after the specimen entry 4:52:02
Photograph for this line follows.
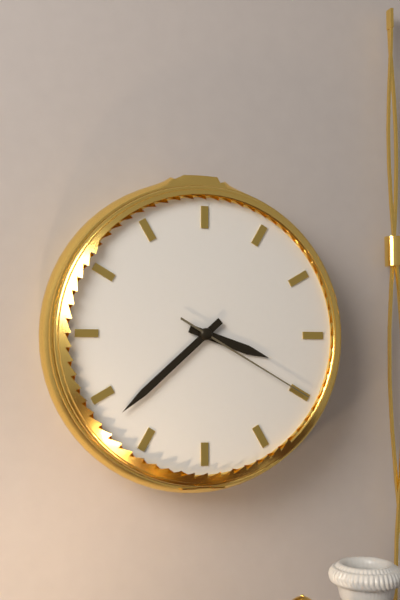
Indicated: 3:38:20
